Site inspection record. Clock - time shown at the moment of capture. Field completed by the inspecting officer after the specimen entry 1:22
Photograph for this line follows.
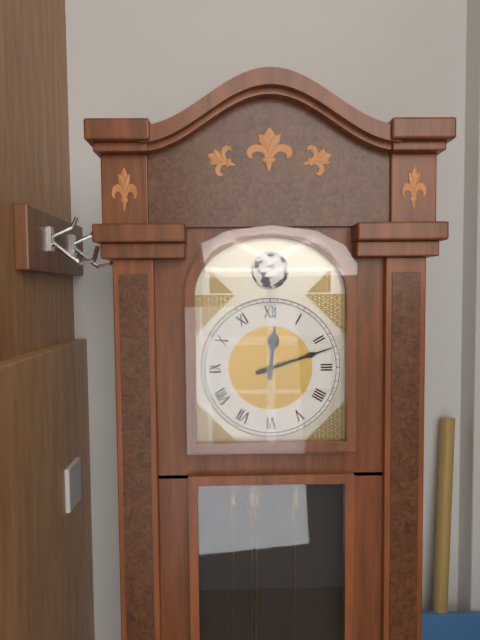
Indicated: 12:12
